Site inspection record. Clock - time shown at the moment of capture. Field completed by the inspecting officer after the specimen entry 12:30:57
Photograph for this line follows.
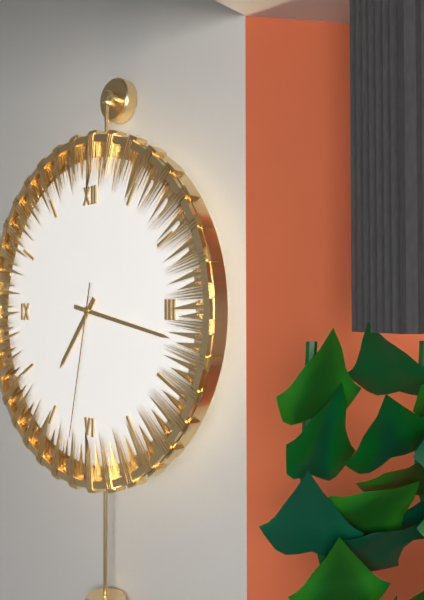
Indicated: 7:17:32
